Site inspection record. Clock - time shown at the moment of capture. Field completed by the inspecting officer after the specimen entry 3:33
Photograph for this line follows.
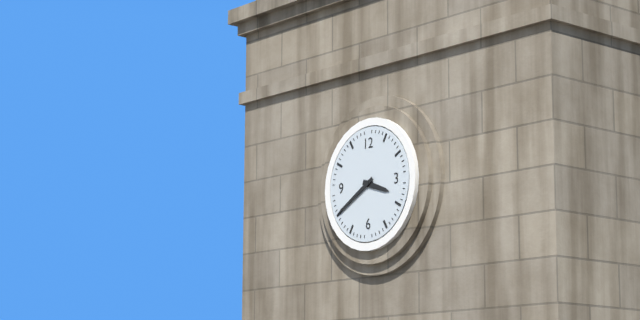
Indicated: 3:40
